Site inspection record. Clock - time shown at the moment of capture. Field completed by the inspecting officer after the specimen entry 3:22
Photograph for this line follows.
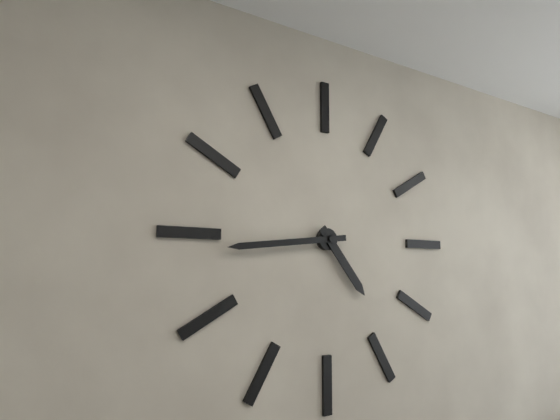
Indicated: 4:44
